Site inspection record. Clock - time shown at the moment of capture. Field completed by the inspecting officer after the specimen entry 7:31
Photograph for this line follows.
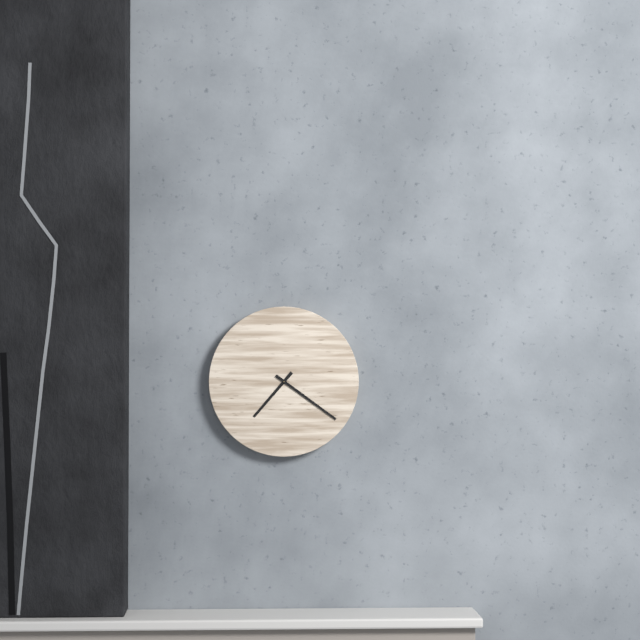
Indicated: 7:21
